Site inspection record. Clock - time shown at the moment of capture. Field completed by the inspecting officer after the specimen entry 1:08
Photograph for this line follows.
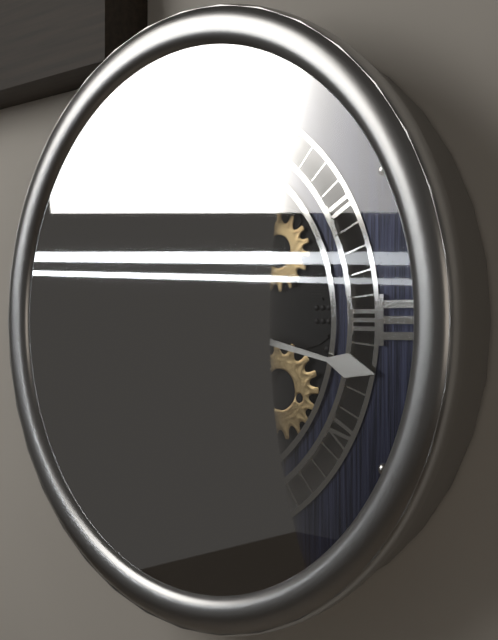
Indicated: 1:17
